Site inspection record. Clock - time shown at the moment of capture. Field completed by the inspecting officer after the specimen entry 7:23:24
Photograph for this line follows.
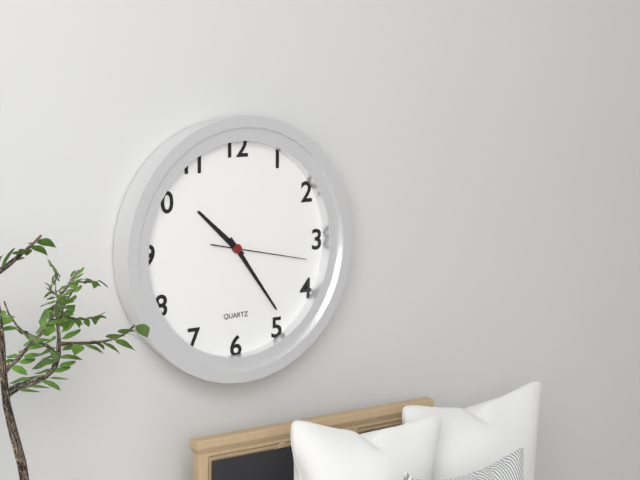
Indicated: 10:24:17
